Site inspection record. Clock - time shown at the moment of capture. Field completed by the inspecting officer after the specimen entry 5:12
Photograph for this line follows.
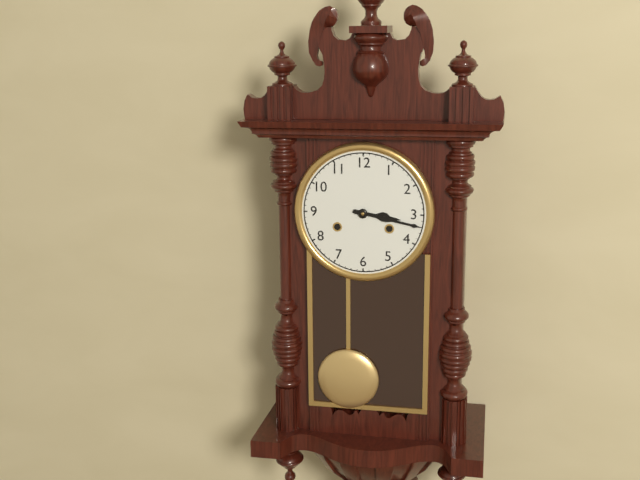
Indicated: 3:17
